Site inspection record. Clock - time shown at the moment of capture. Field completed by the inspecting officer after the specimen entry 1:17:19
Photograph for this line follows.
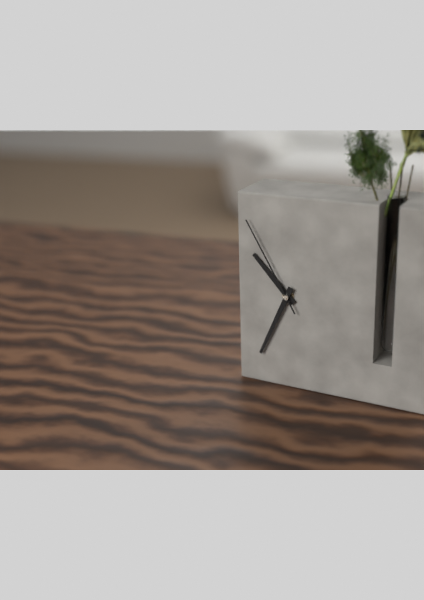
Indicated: 10:34:55
